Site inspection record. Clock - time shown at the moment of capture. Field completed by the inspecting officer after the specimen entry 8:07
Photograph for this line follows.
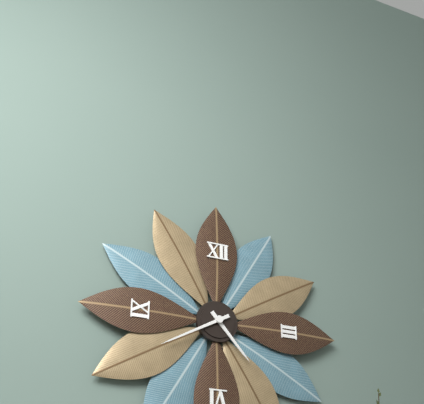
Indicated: 4:40
